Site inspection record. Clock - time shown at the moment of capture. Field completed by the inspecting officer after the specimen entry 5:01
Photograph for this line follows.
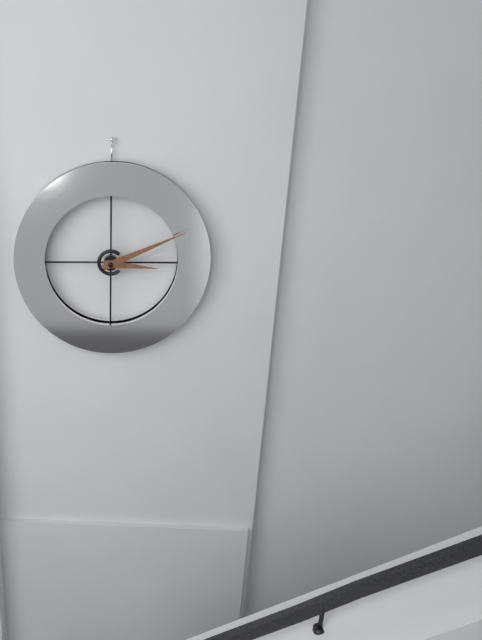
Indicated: 3:11
